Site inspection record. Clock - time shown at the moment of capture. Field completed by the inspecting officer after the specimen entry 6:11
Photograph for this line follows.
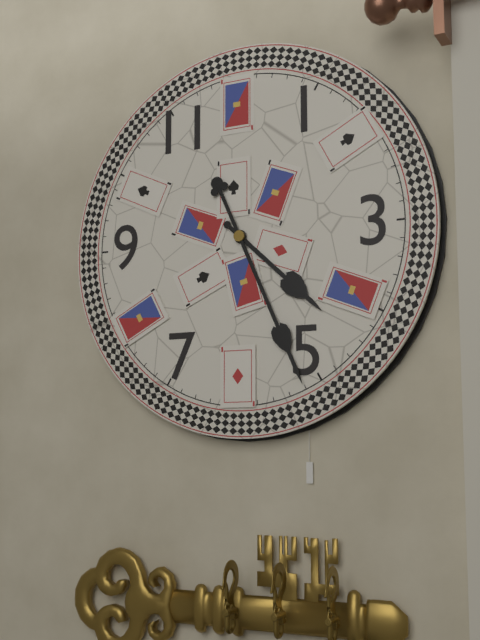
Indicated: 4:26
